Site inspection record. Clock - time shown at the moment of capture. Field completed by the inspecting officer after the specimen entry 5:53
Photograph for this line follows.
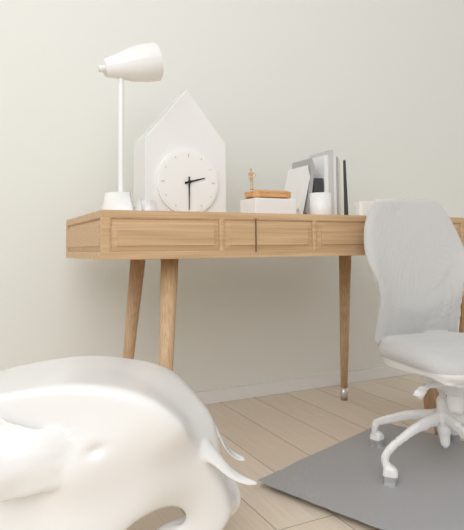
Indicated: 2:30
